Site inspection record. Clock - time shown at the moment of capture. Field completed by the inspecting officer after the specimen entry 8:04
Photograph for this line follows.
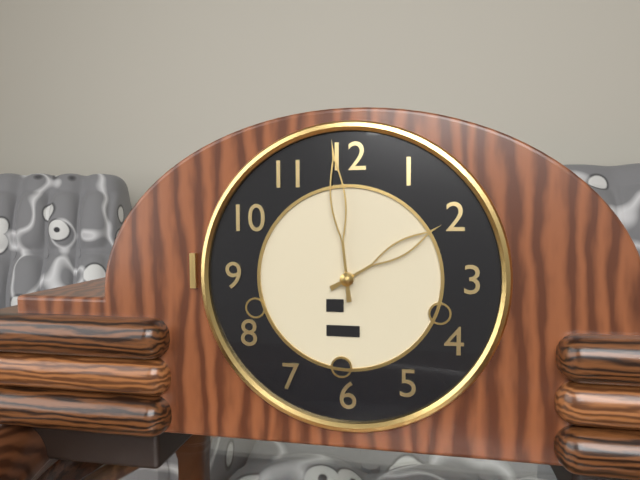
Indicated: 1:59
